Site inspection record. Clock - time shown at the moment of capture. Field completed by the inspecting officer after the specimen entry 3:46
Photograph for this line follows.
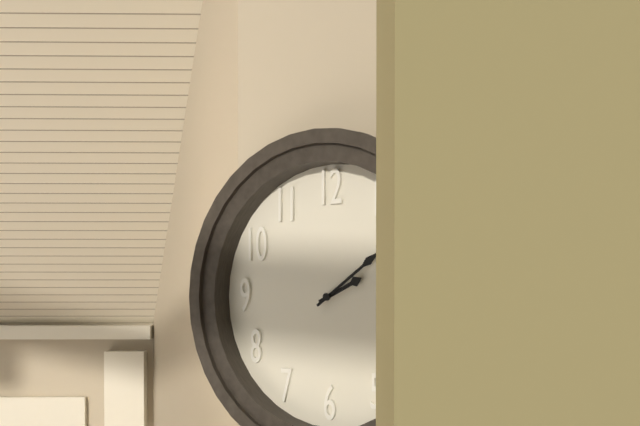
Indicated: 2:09
